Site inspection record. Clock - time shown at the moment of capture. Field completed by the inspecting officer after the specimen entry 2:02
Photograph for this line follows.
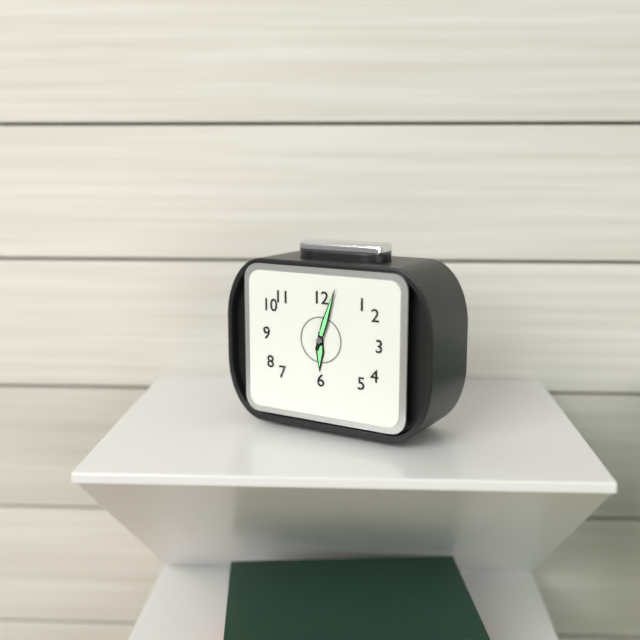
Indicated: 6:03
